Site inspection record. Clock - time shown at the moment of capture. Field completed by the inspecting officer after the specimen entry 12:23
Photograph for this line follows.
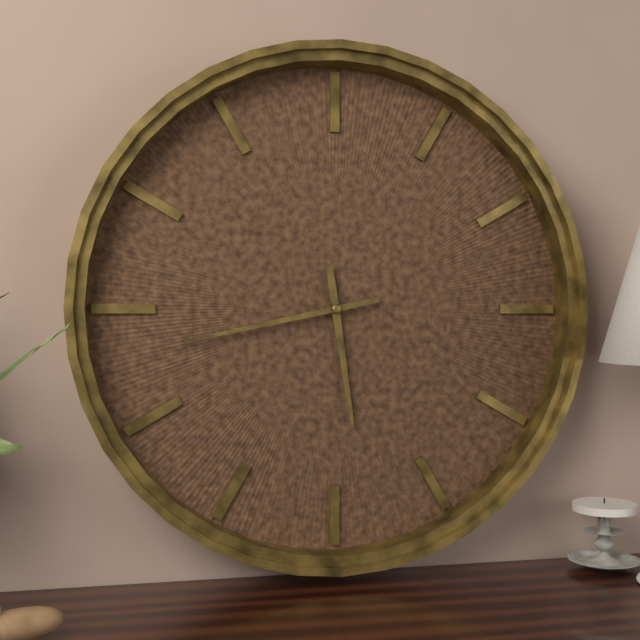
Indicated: 5:43
